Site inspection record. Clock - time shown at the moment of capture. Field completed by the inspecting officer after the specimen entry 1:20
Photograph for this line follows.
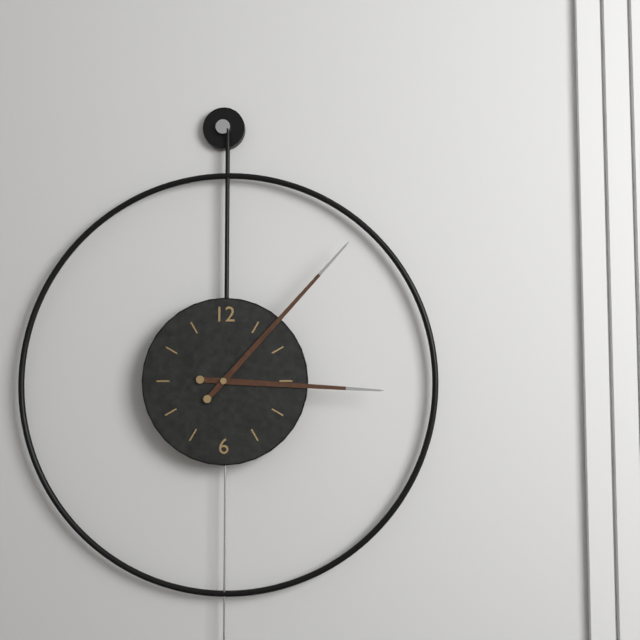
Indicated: 3:07
